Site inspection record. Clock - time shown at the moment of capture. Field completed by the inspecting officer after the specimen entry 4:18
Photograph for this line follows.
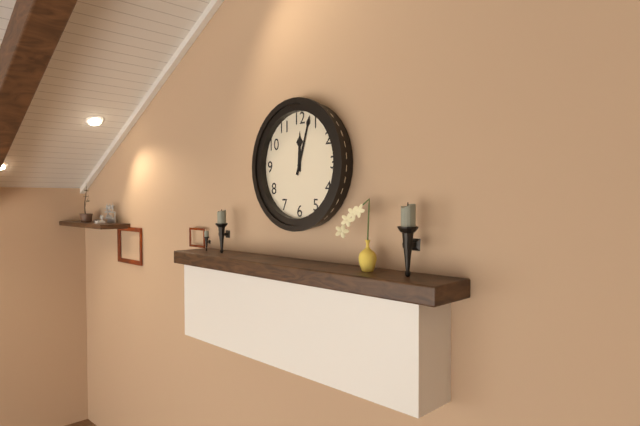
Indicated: 12:03
